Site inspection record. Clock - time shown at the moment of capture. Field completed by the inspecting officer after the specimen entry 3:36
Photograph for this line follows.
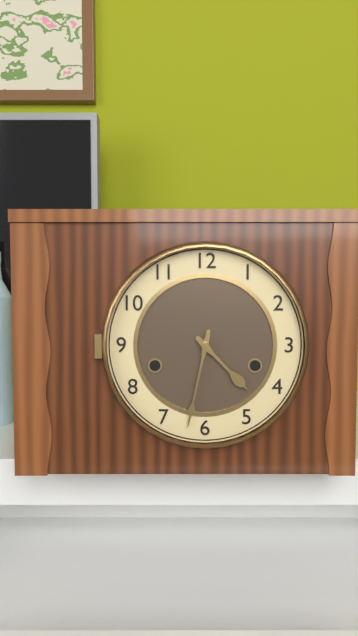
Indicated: 4:32
